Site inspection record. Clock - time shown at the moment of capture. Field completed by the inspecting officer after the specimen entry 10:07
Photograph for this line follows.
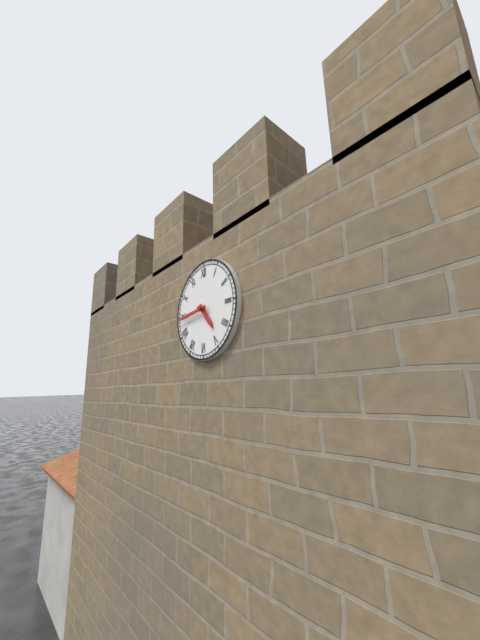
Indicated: 4:44
